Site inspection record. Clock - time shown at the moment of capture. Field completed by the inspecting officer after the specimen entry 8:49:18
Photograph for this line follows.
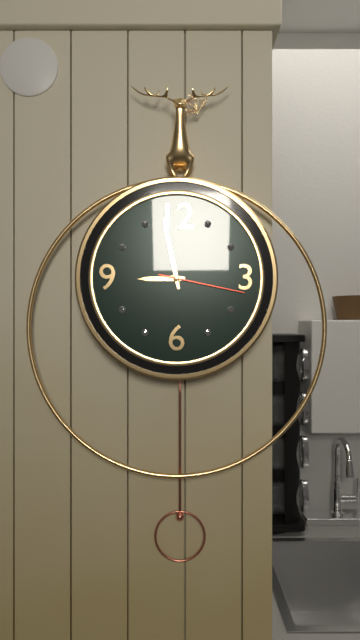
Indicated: 8:58:17
